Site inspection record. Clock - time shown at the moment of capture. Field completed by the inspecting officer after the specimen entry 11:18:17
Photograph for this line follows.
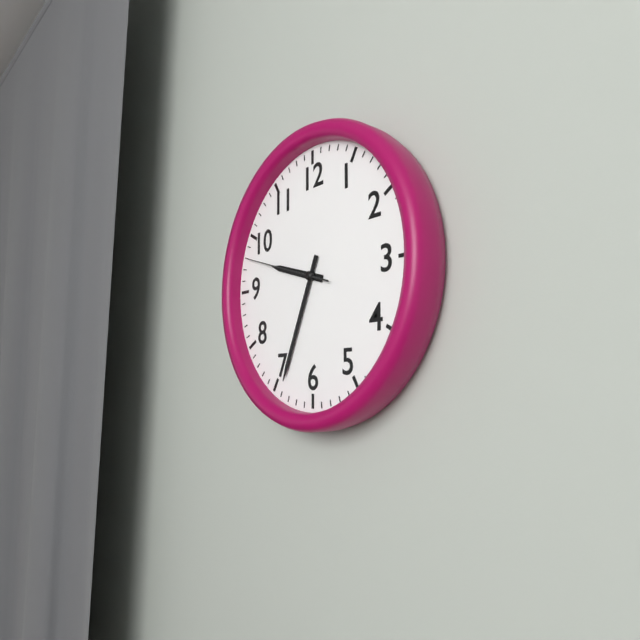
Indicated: 9:34:48
